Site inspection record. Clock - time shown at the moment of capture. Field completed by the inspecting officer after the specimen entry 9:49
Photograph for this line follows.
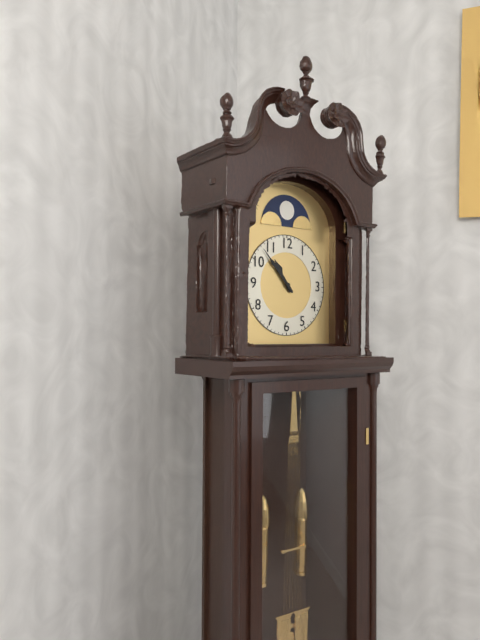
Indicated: 10:53
